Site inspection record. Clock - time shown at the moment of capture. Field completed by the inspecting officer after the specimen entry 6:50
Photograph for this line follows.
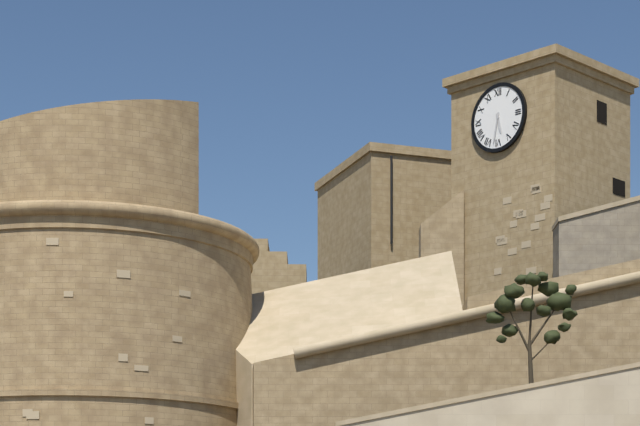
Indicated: 5:32
